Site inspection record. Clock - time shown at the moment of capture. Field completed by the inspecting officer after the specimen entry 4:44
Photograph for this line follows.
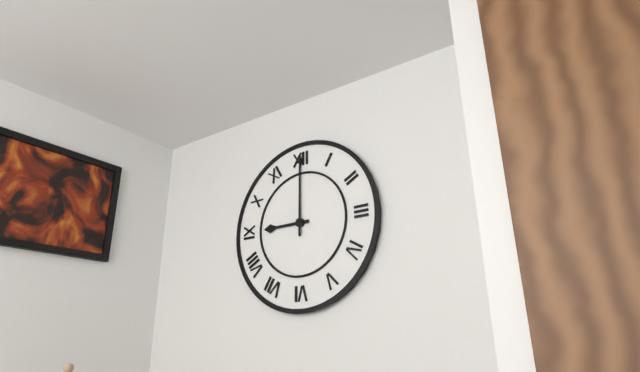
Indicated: 9:00
